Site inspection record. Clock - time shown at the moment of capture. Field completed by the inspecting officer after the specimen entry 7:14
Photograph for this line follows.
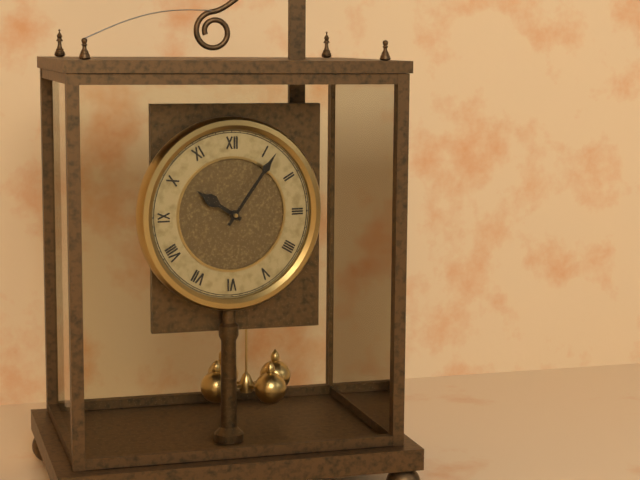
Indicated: 10:06
